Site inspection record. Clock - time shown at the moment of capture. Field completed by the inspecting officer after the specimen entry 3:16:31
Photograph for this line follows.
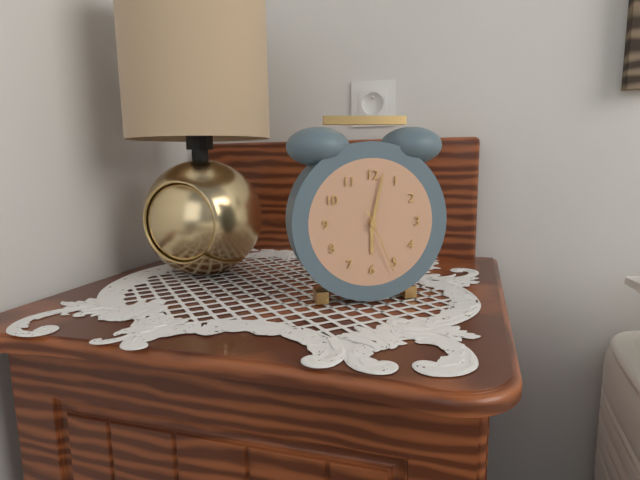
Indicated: 6:02:26
